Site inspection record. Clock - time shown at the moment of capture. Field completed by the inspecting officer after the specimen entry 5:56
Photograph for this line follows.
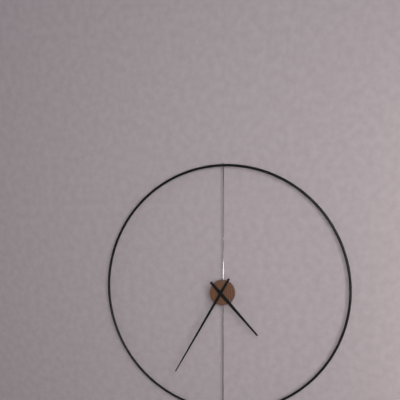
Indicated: 4:35
